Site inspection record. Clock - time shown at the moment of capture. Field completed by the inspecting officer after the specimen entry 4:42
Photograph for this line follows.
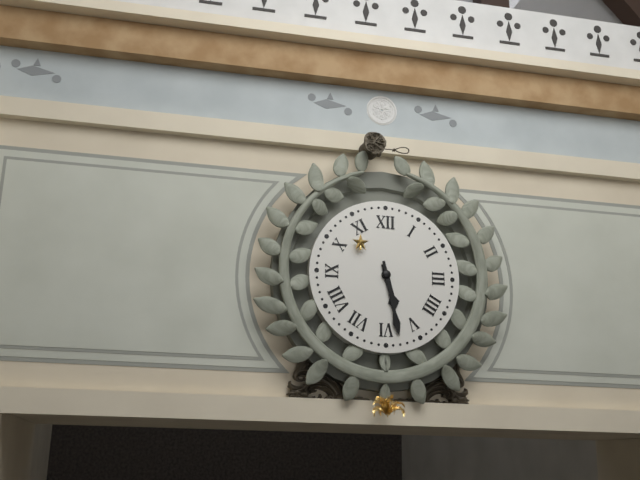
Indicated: 5:28
